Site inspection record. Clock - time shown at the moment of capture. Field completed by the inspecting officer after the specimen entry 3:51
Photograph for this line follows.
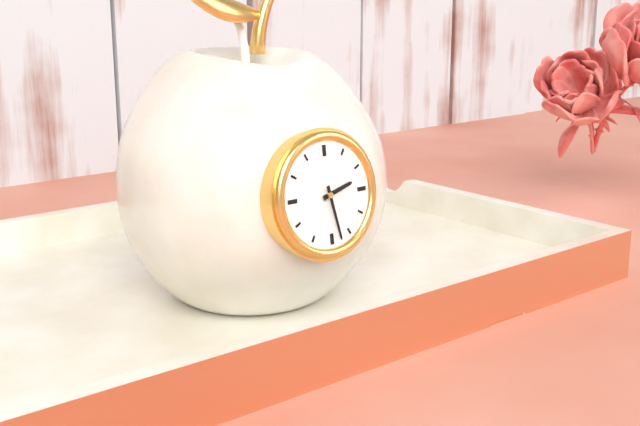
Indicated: 2:28
